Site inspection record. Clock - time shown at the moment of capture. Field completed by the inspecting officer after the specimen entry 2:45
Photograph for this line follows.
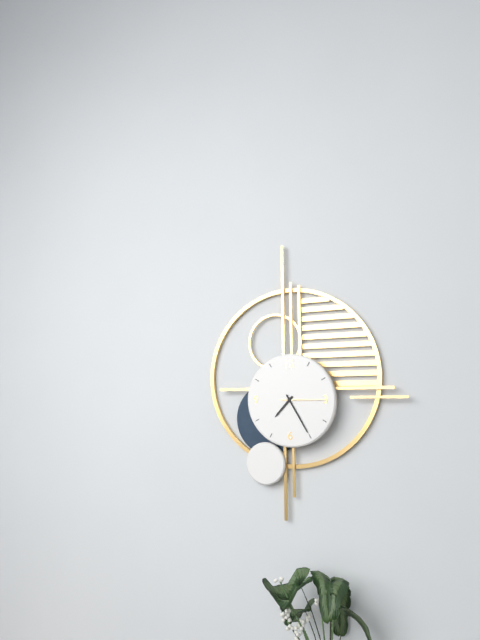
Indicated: 7:25
